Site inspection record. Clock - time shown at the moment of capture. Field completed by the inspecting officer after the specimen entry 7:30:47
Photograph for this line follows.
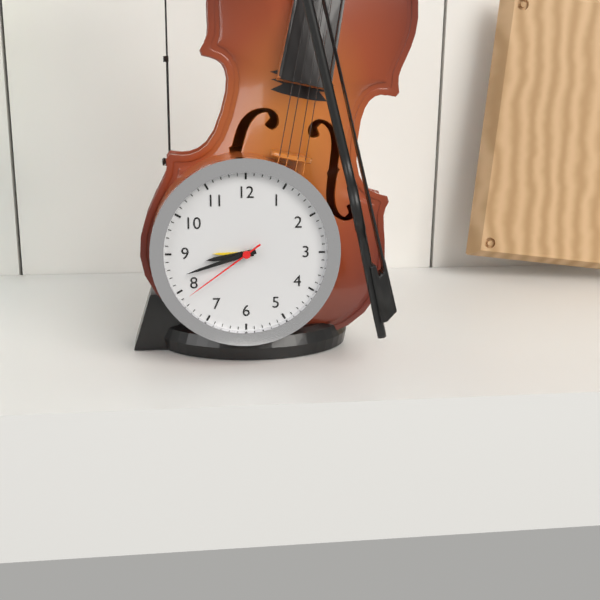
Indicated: 8:42:39
